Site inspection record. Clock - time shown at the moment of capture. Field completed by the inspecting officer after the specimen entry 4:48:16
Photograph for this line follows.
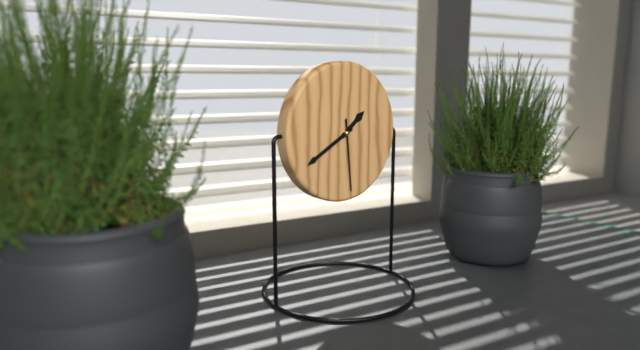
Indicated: 1:40:29
